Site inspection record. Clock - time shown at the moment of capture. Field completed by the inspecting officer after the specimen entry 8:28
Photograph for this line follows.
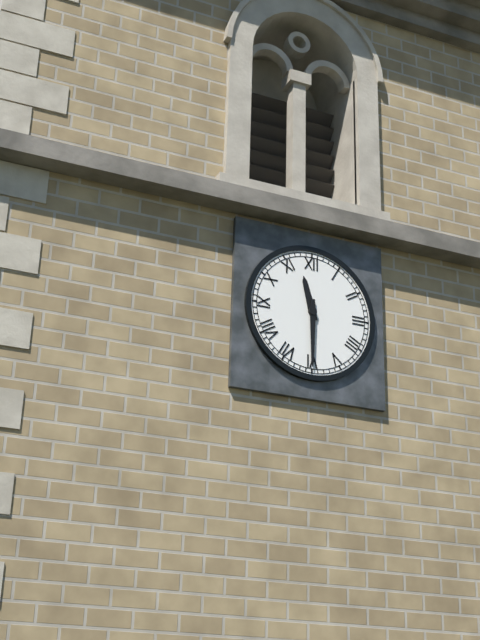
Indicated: 11:30
